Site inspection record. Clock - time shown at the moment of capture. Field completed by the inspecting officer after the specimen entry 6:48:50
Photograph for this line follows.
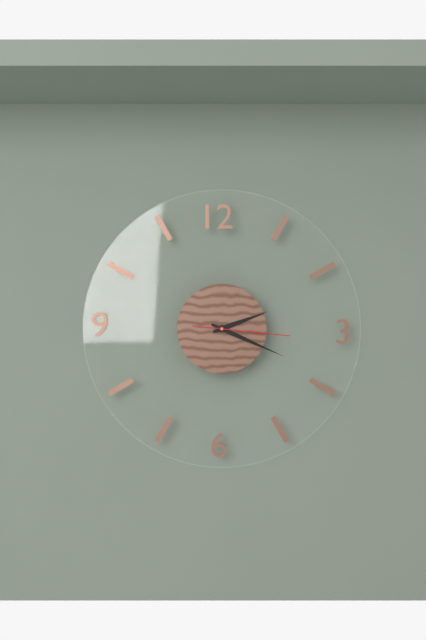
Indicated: 2:19:16
